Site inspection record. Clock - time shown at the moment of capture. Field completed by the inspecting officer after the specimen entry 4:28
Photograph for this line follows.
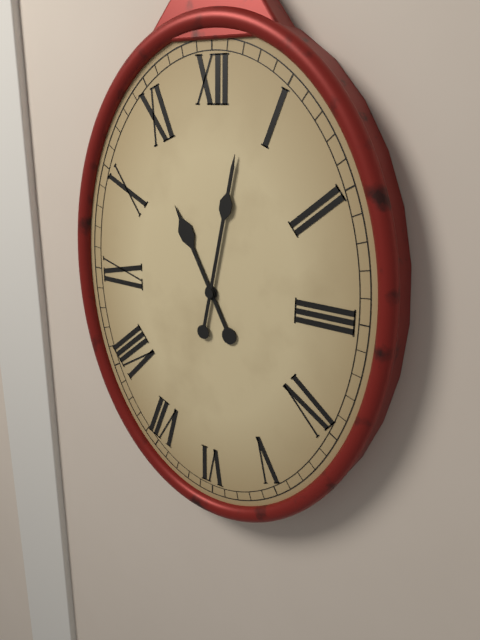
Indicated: 11:02
